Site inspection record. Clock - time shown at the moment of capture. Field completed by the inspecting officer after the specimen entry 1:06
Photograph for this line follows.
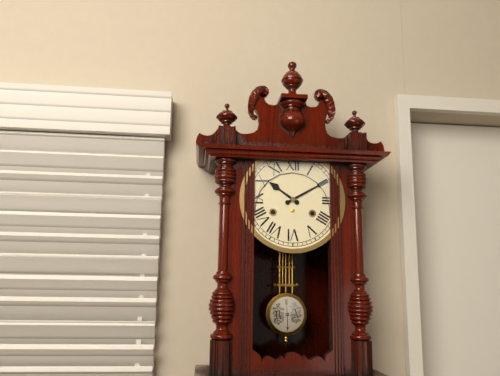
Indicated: 10:10
